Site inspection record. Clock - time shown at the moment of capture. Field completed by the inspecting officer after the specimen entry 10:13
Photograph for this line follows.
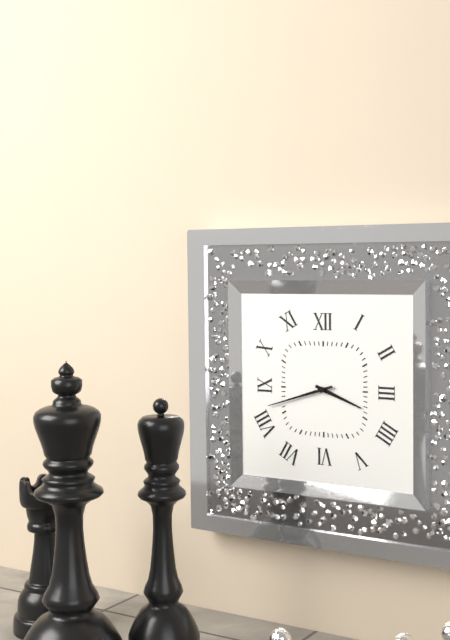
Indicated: 3:42
